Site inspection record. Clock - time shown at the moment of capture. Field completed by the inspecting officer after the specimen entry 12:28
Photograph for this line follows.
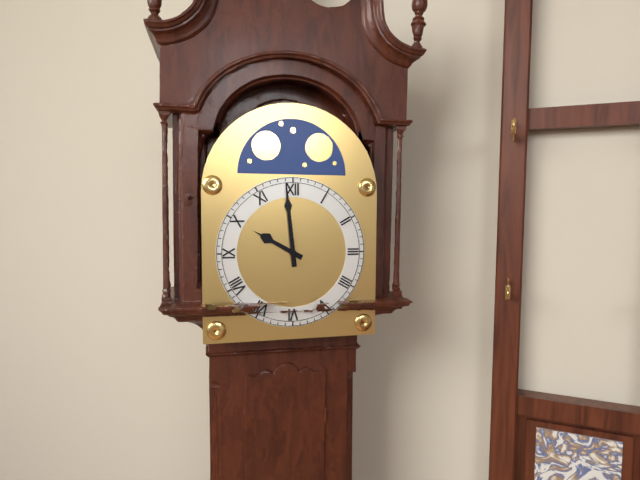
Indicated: 9:59
